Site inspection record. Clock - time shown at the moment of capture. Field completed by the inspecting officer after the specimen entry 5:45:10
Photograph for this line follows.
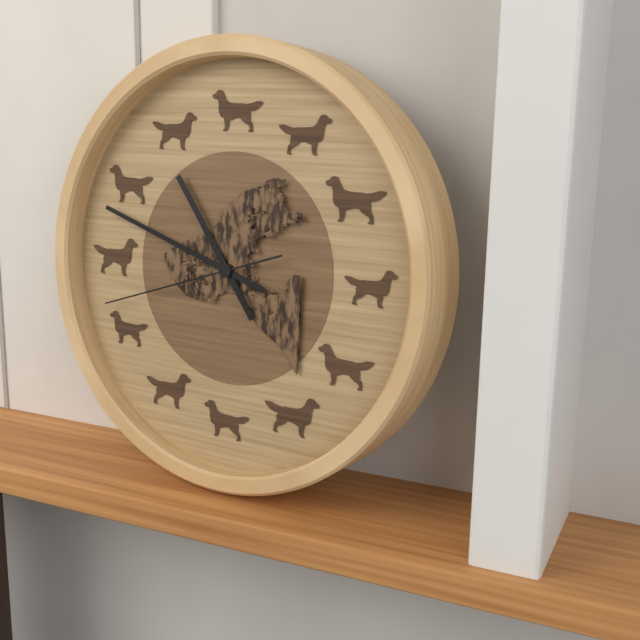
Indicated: 10:48:42
